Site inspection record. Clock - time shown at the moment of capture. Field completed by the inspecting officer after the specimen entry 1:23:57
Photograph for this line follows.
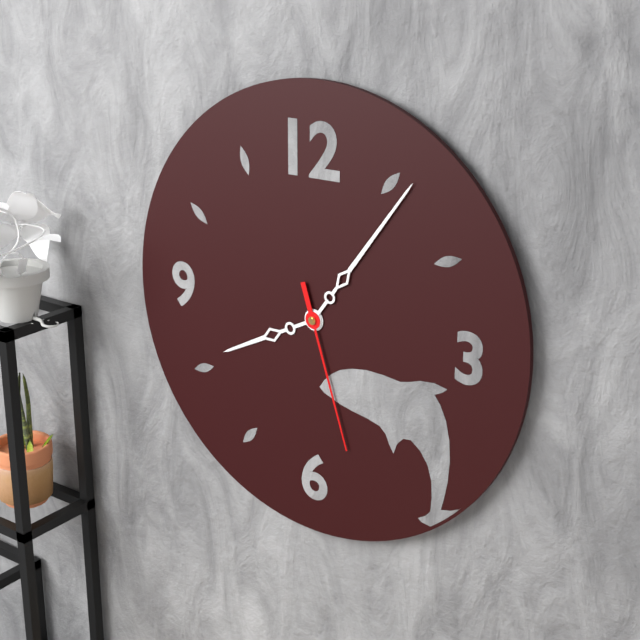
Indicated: 8:06:27
